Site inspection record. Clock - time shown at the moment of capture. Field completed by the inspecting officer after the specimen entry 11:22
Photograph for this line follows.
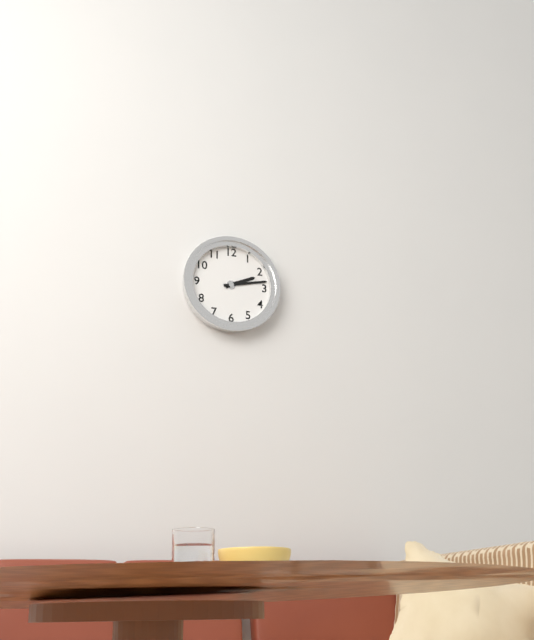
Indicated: 2:13
